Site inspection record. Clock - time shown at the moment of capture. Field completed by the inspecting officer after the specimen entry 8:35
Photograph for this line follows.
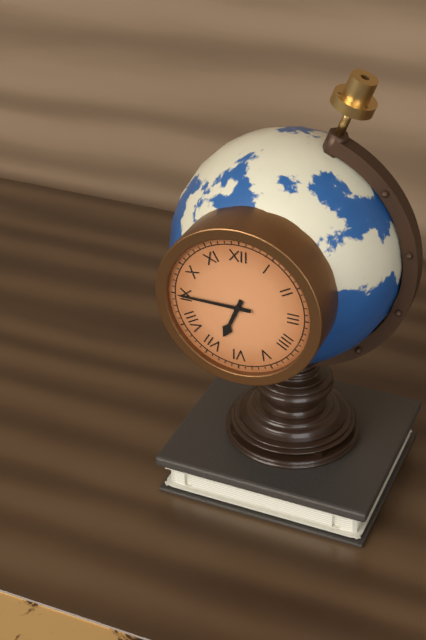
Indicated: 6:45
